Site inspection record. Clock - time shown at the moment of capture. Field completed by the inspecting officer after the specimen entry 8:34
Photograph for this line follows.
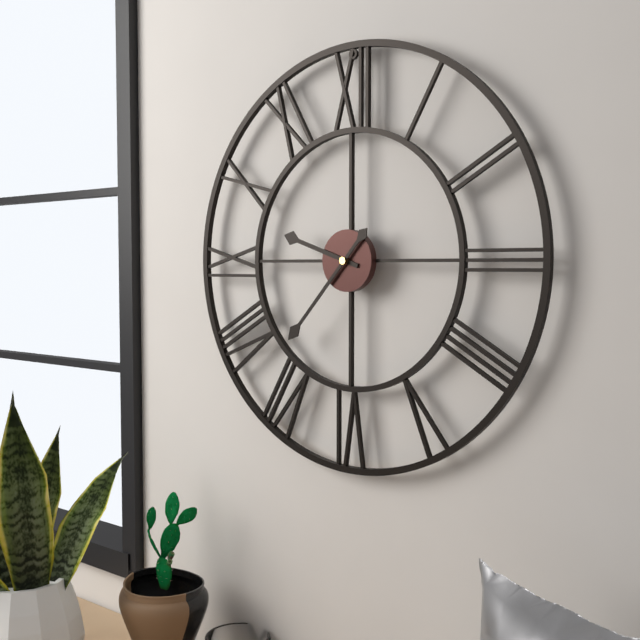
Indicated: 9:37
